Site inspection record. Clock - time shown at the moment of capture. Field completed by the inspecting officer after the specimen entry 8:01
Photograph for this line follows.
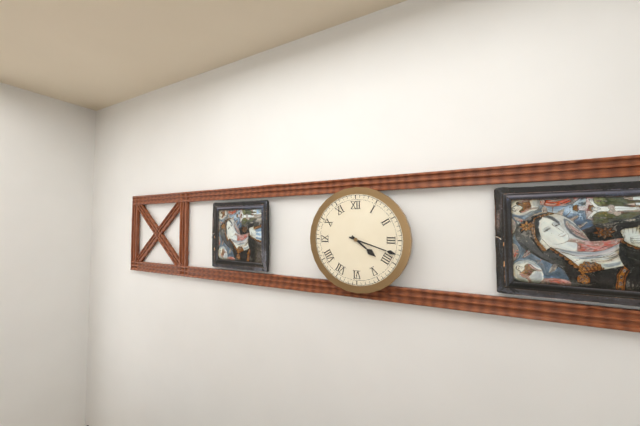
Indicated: 4:18
